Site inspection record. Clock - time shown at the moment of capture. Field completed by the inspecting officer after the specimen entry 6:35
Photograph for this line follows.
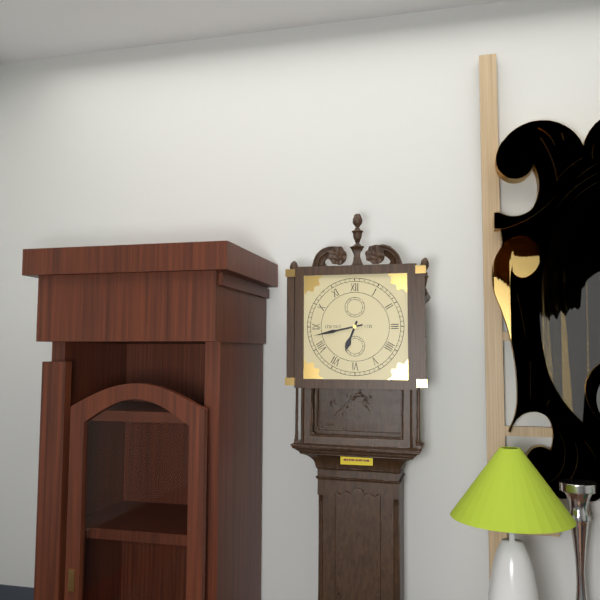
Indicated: 6:43
